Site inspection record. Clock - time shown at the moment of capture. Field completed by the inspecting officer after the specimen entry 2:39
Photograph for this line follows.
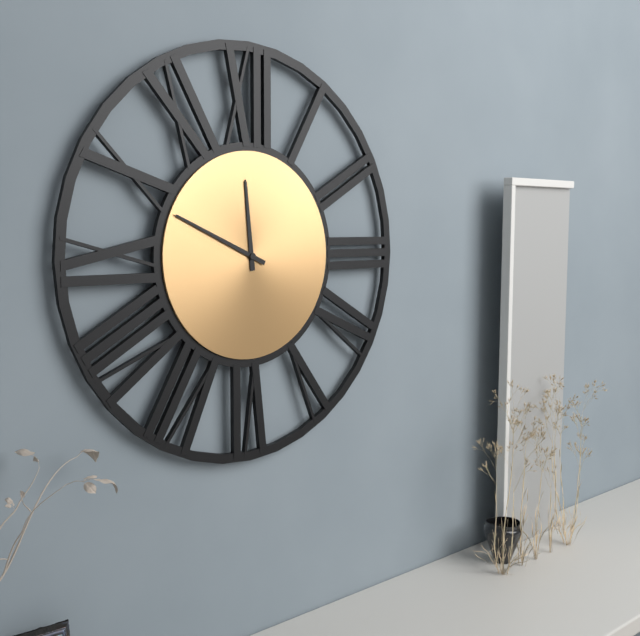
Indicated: 11:49
